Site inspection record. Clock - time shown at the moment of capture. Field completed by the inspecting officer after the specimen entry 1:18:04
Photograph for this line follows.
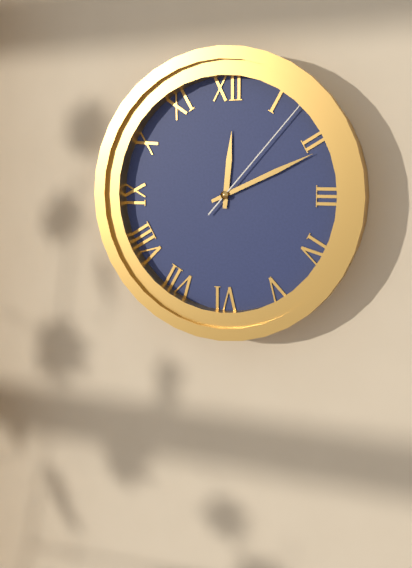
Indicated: 12:11:07
